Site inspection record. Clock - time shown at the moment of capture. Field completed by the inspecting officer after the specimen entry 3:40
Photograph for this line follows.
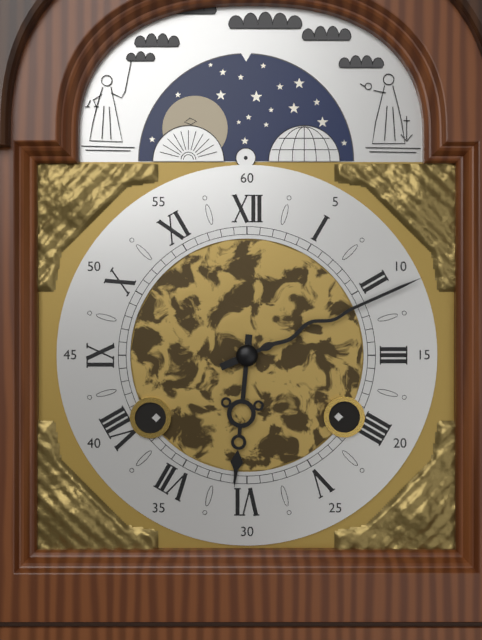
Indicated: 6:11
